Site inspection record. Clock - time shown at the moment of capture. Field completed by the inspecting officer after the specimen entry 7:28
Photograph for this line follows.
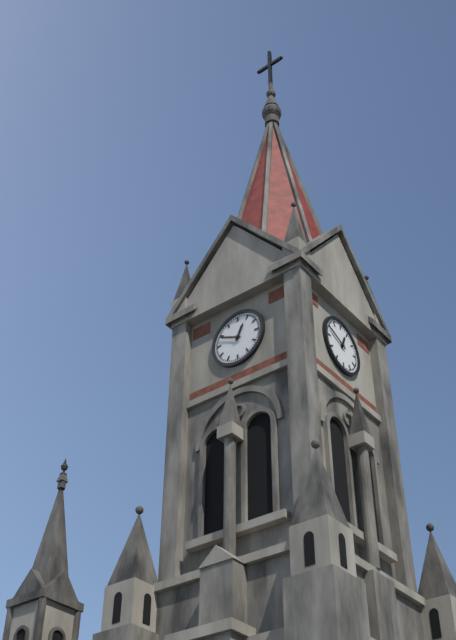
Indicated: 12:49
